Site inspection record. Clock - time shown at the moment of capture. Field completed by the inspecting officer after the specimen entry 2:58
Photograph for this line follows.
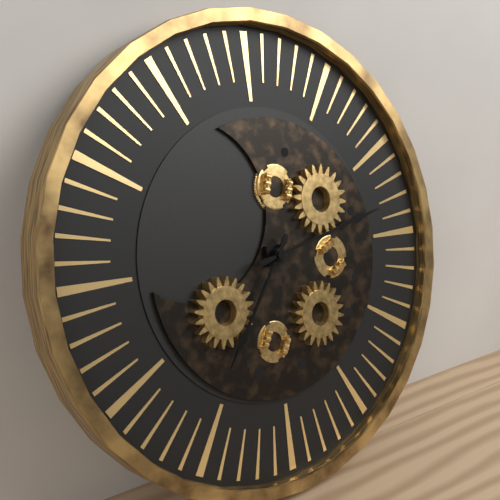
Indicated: 7:13
